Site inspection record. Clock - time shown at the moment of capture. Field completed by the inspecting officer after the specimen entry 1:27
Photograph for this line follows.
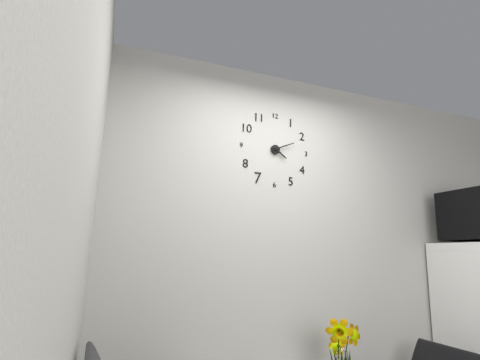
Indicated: 4:11
